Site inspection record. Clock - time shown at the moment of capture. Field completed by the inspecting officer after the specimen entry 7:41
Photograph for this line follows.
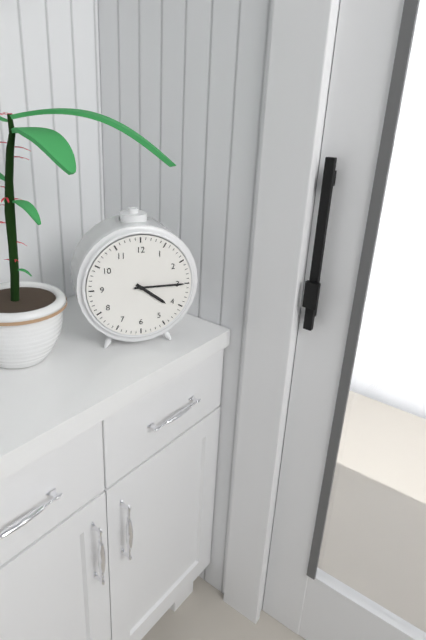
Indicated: 4:15
